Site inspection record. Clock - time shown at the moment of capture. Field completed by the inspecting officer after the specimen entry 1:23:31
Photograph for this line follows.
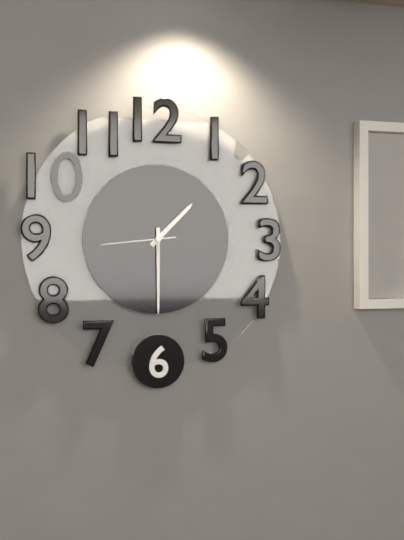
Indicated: 1:30:44
